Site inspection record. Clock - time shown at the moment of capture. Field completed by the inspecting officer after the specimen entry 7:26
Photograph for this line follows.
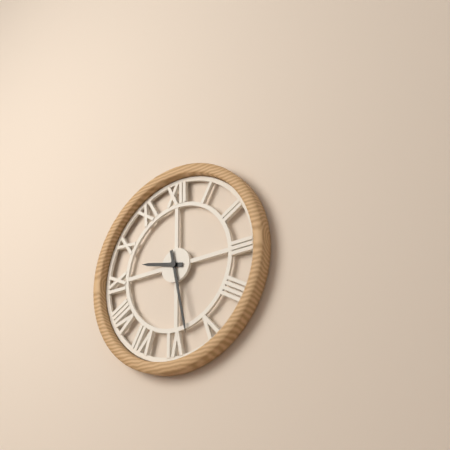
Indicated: 9:28
